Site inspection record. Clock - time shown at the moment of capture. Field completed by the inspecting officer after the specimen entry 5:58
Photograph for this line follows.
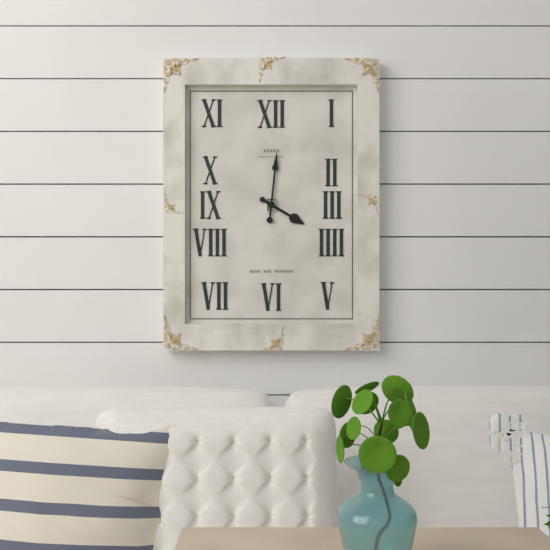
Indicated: 4:01
